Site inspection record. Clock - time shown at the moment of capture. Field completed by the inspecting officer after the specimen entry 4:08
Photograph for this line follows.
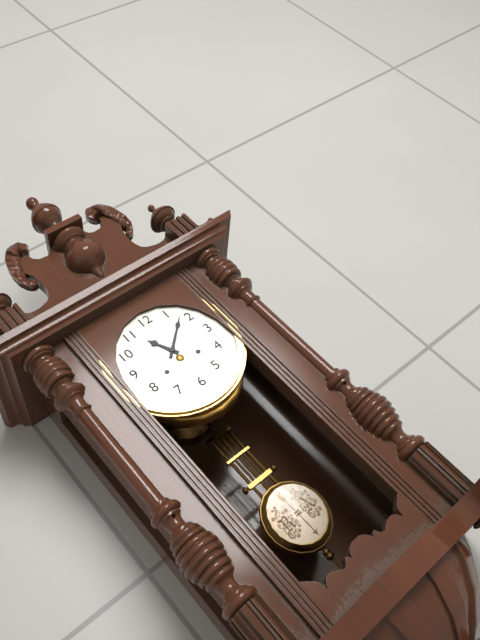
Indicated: 11:08
